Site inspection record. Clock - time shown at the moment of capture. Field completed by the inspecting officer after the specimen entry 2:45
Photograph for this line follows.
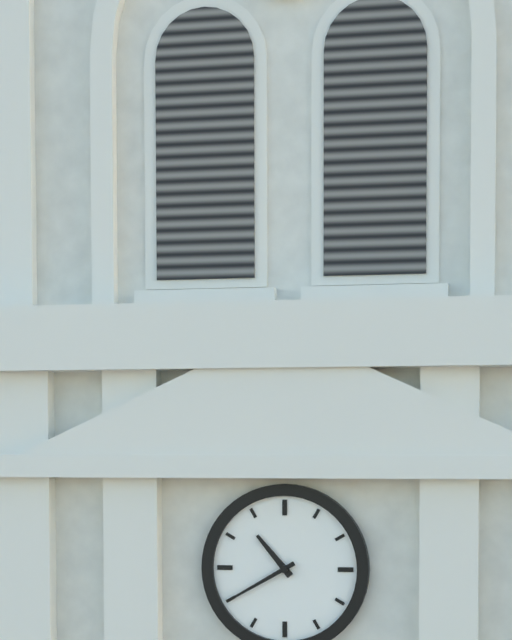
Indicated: 10:40
